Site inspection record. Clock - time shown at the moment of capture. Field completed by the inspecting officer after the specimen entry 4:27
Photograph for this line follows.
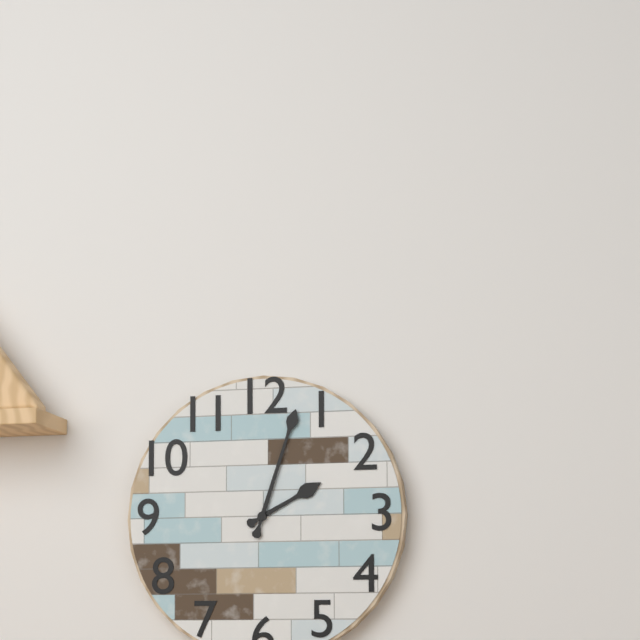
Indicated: 2:03
